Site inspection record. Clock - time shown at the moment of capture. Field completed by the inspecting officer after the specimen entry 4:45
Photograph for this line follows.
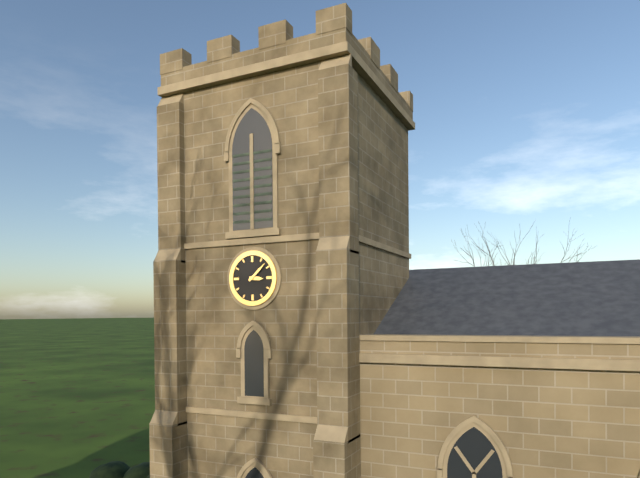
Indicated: 3:08
